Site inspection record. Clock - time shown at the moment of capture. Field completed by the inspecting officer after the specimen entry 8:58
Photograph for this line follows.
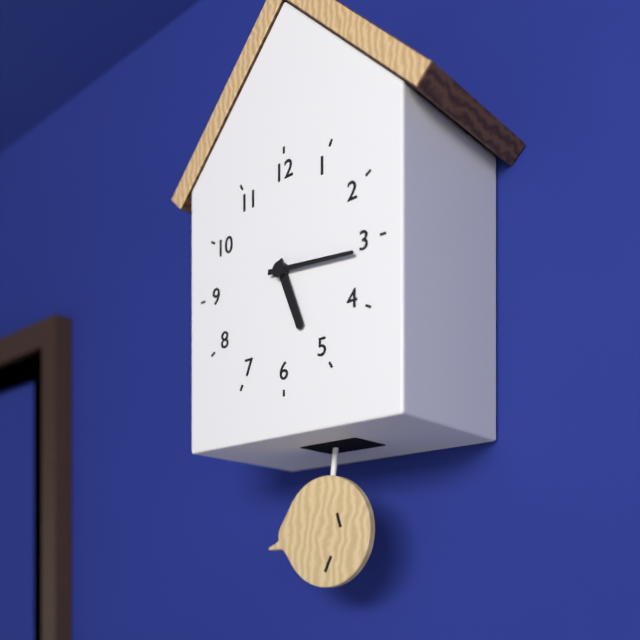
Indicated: 5:16
